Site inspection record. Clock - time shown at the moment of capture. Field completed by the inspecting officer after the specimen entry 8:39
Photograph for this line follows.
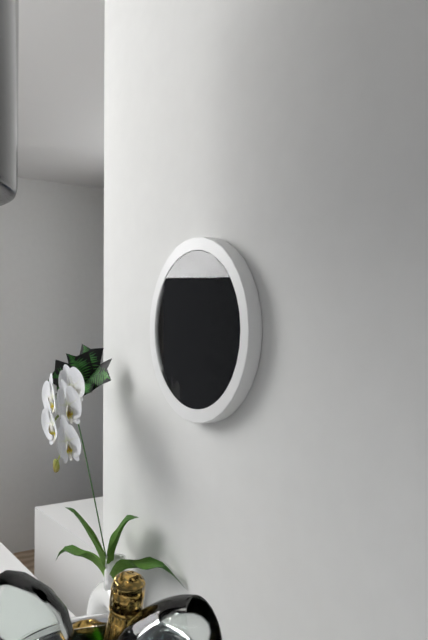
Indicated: 2:11
